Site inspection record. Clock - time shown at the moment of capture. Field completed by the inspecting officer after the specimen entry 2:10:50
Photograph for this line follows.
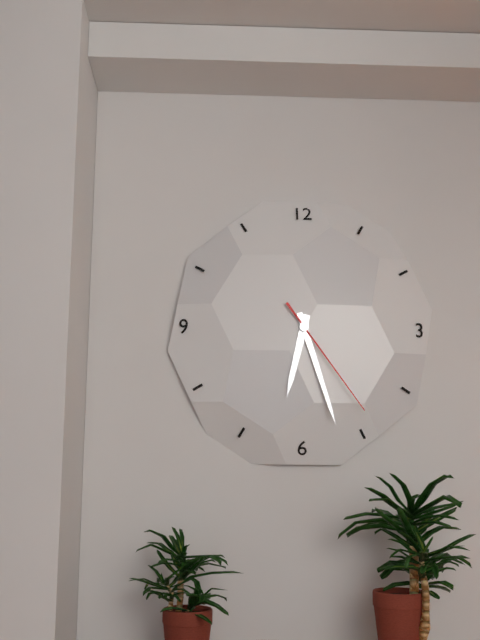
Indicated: 6:27:24
